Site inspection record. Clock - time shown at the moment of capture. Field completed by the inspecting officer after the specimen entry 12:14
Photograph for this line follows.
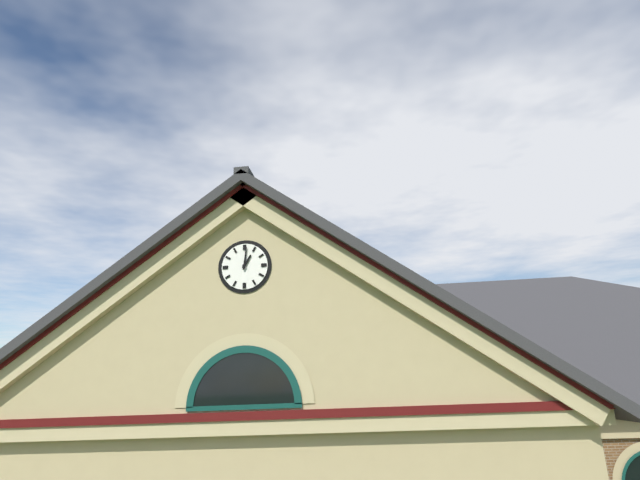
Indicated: 1:01
